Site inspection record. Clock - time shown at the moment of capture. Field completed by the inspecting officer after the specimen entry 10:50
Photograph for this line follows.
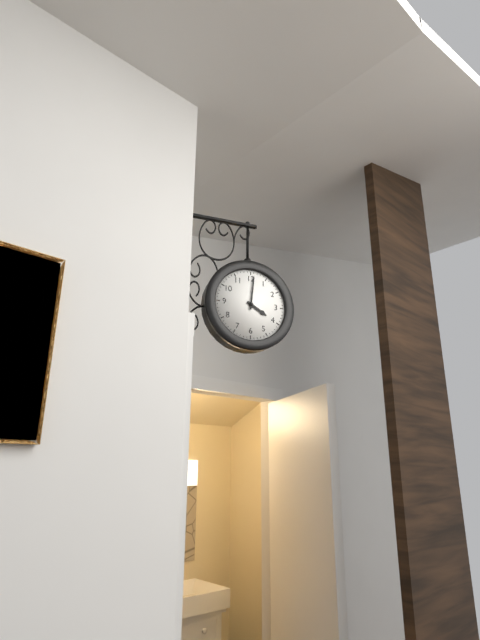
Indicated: 4:01
